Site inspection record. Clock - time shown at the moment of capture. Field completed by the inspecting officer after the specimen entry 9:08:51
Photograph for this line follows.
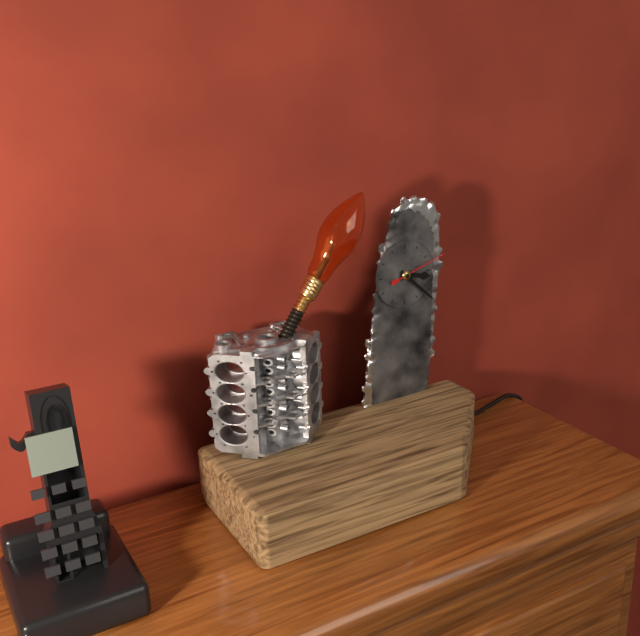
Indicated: 3:22:12
